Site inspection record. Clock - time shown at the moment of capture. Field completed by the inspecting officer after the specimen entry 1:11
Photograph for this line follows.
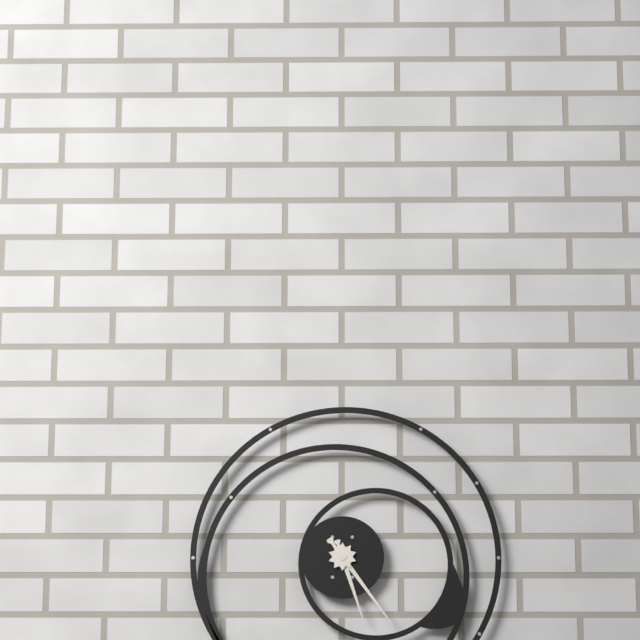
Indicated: 5:24
